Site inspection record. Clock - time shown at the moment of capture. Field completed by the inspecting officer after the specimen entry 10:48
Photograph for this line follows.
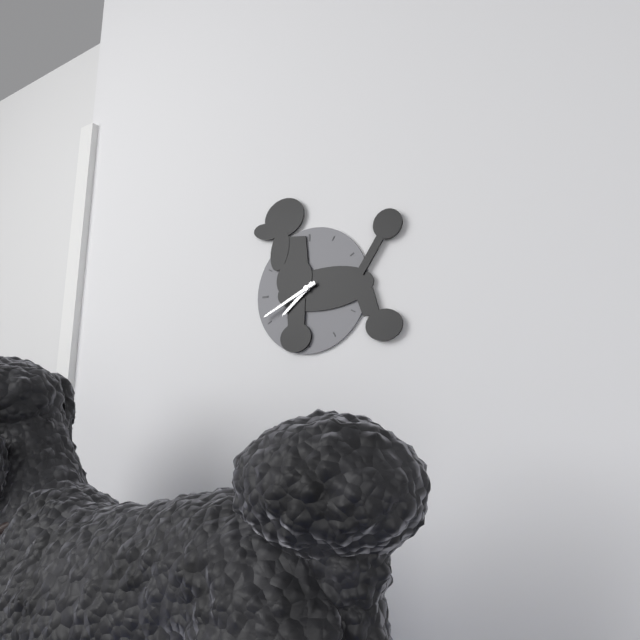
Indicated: 7:41
